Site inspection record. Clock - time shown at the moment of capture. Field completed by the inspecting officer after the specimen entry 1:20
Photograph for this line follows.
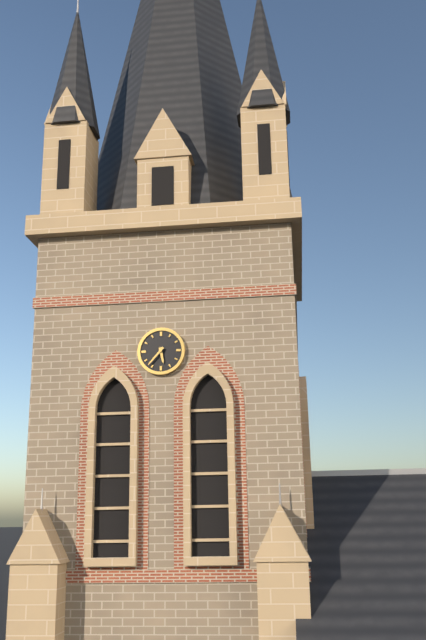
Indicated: 5:37
